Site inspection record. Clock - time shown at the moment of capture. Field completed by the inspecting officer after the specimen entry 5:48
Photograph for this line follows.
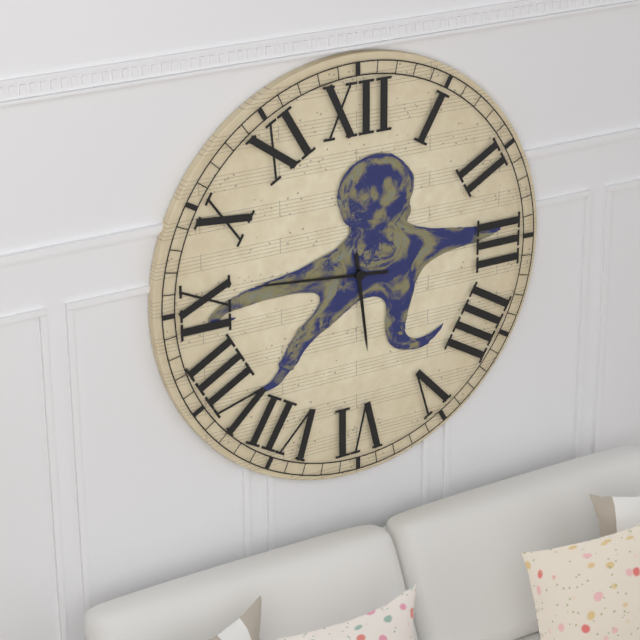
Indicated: 5:46
